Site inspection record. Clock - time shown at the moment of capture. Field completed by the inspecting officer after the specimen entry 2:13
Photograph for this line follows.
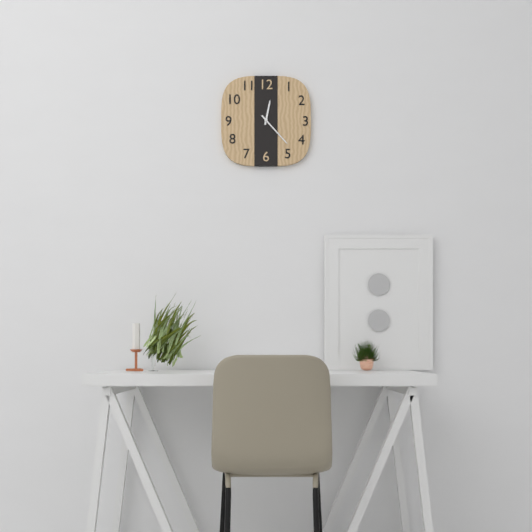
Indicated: 12:23
